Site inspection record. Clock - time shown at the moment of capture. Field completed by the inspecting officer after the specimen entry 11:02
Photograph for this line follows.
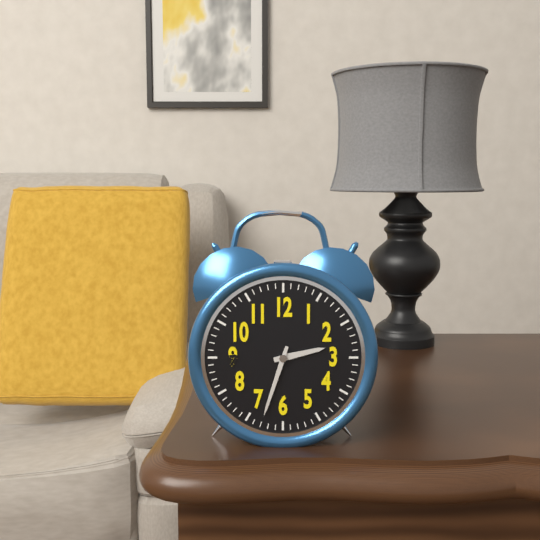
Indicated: 2:33
